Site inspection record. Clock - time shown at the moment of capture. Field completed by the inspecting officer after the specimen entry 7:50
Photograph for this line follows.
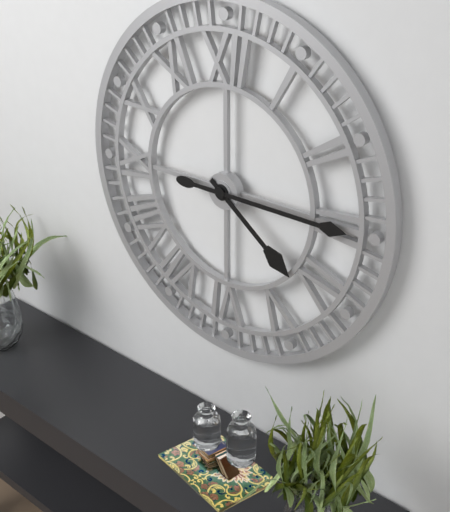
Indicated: 4:15
